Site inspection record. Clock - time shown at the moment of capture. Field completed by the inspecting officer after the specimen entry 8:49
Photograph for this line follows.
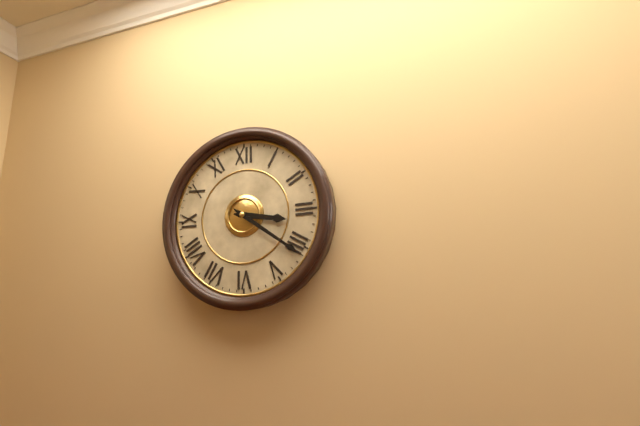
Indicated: 3:21
